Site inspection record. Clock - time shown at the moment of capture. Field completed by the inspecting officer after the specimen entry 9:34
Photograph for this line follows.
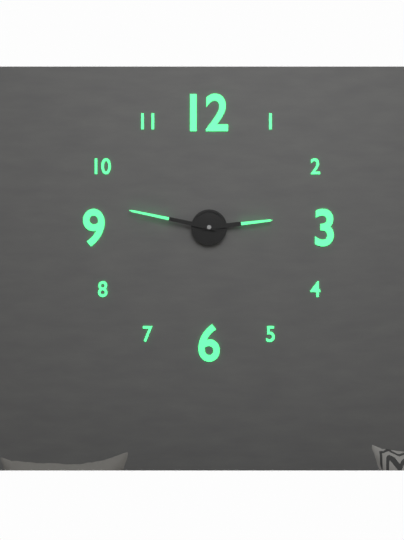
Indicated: 2:47
